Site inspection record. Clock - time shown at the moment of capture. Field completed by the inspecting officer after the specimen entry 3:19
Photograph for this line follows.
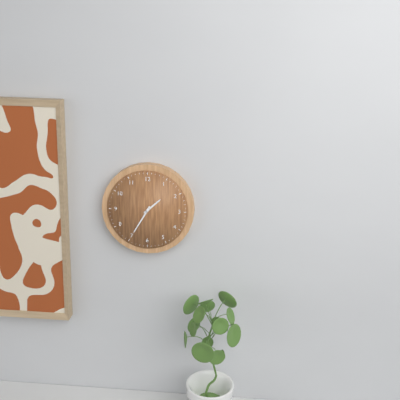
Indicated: 1:35
